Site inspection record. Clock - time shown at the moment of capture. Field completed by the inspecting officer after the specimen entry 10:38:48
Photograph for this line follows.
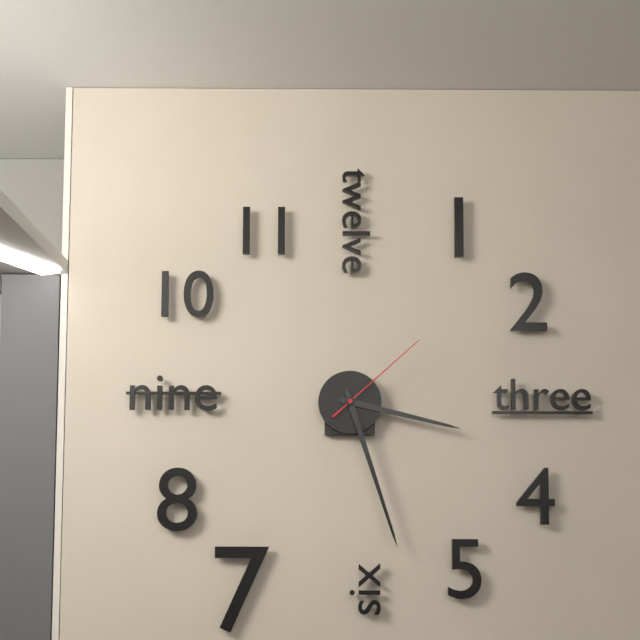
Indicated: 3:27:08
